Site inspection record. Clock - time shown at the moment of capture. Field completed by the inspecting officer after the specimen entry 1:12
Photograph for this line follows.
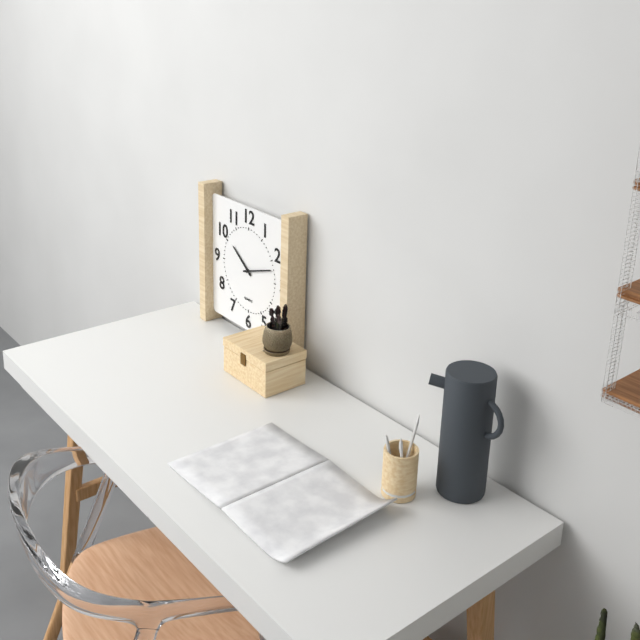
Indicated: 10:12
